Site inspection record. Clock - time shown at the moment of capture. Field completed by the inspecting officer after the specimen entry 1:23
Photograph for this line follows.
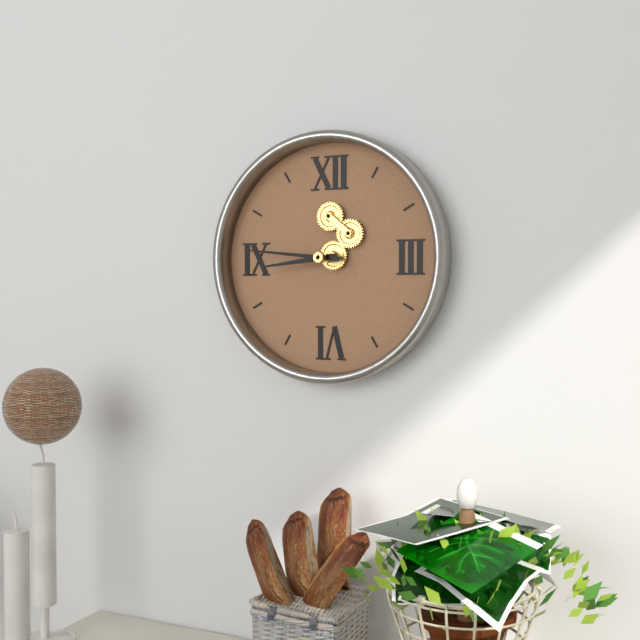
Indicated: 8:46
